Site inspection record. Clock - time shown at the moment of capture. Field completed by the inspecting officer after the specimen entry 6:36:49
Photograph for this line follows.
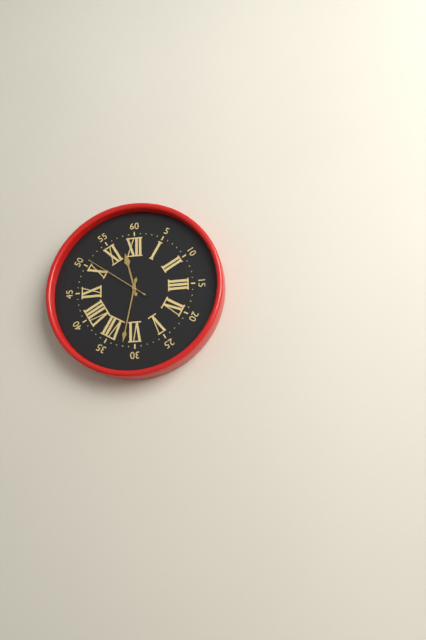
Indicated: 11:32:51
